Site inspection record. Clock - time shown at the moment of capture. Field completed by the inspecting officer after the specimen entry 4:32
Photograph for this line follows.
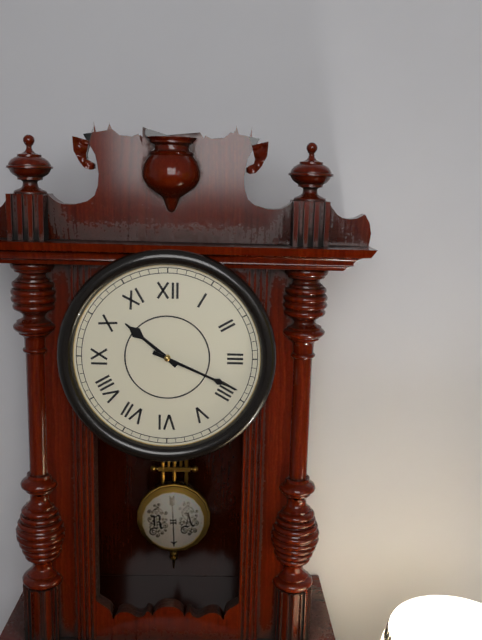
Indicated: 10:19
